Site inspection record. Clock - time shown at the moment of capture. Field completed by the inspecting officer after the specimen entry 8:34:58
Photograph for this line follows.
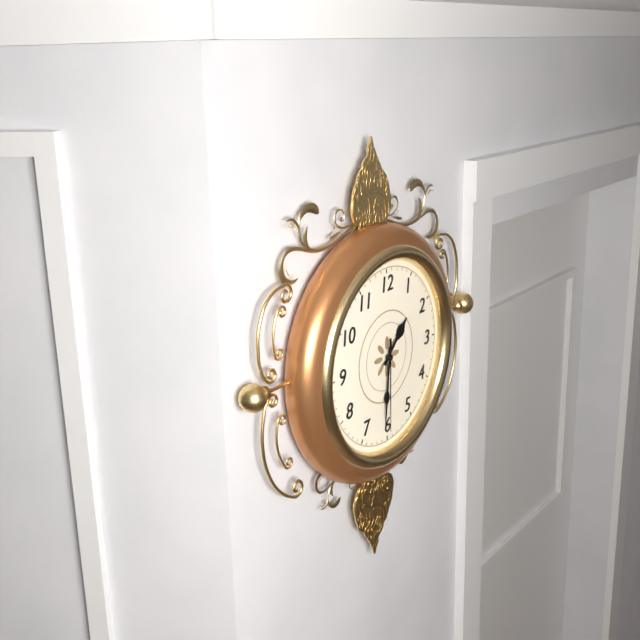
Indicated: 1:31:30
